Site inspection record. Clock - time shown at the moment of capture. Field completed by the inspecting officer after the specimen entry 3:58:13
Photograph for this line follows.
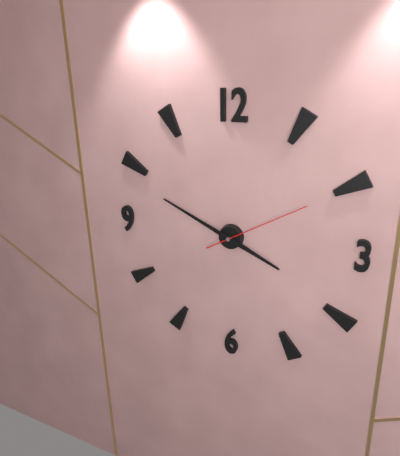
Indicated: 3:49:10
